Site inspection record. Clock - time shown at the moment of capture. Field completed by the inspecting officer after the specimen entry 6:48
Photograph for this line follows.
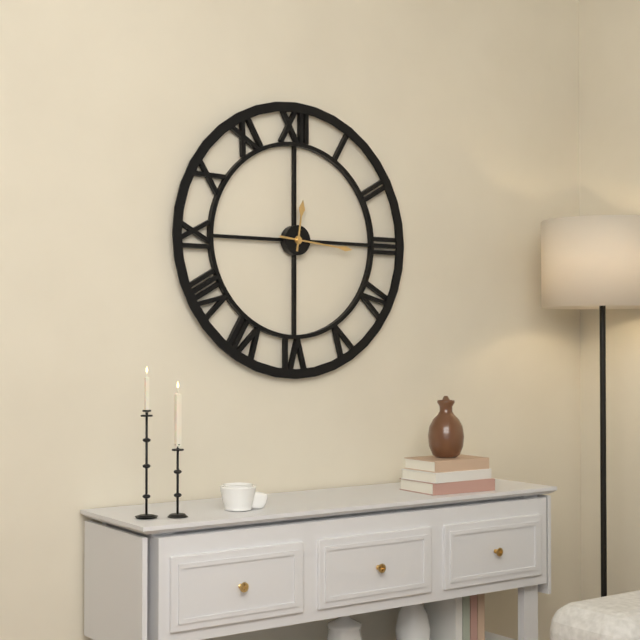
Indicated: 12:16
